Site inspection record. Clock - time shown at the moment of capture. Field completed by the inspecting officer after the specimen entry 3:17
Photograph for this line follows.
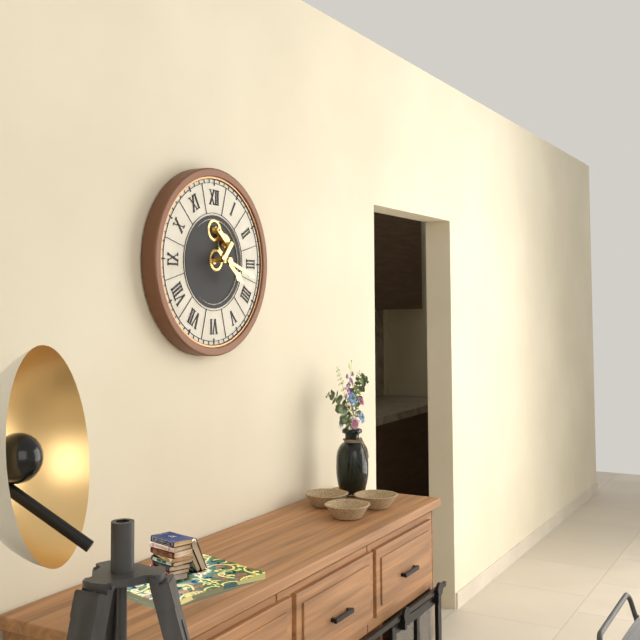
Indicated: 4:18
